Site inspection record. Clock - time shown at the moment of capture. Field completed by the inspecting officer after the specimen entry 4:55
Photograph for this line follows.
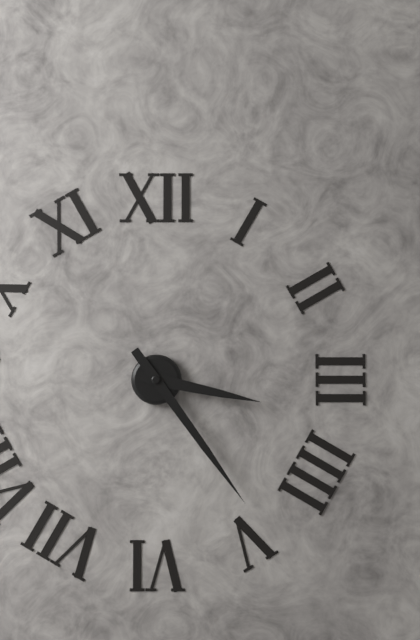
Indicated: 3:24
